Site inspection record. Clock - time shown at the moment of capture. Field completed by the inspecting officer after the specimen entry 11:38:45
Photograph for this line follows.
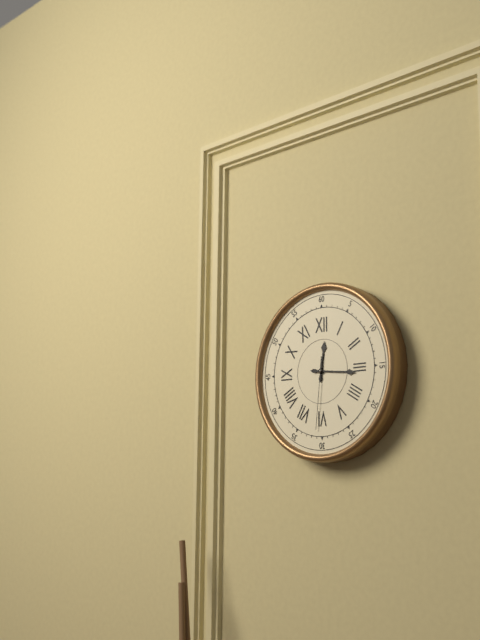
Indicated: 12:16:31
